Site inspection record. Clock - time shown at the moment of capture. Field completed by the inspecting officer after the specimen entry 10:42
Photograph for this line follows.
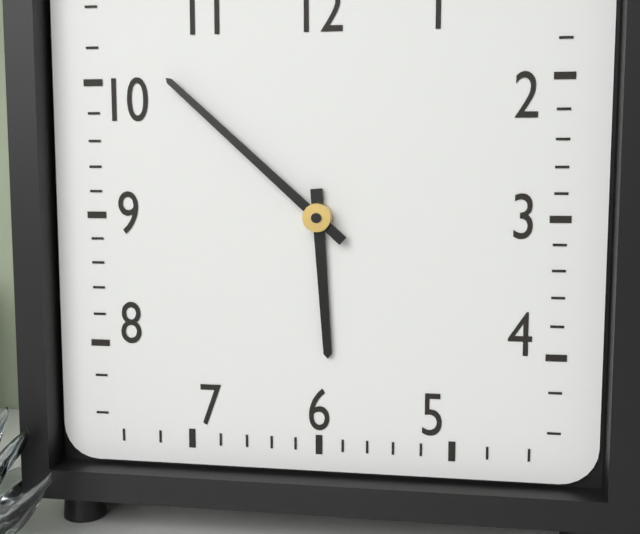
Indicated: 5:52
